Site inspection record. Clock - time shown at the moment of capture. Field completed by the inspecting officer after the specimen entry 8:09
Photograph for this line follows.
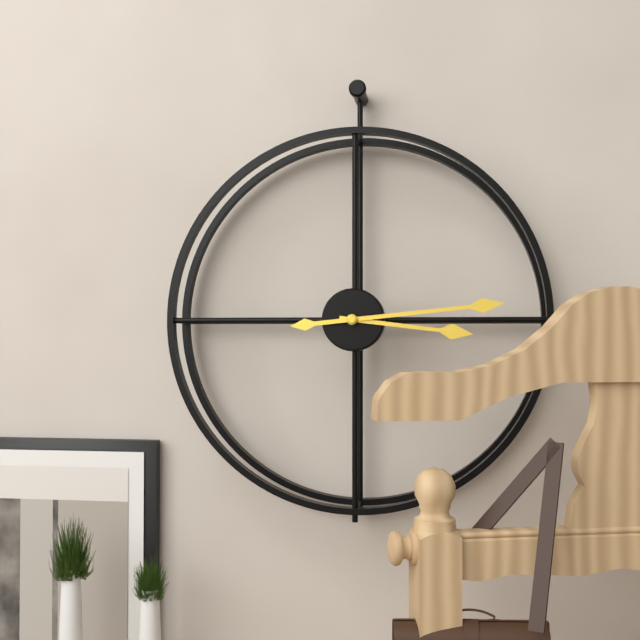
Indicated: 3:14
